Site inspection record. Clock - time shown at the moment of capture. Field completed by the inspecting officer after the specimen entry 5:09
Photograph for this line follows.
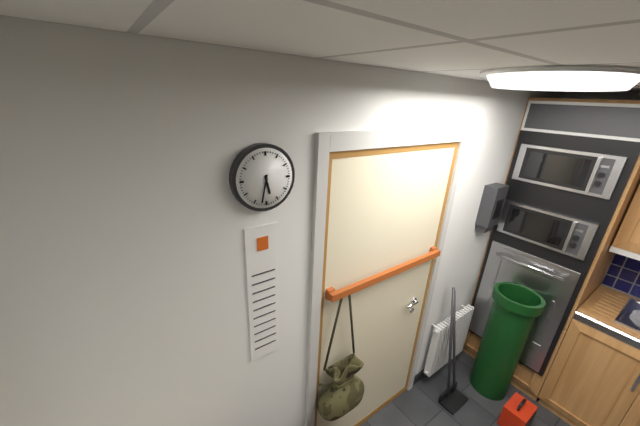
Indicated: 5:32
